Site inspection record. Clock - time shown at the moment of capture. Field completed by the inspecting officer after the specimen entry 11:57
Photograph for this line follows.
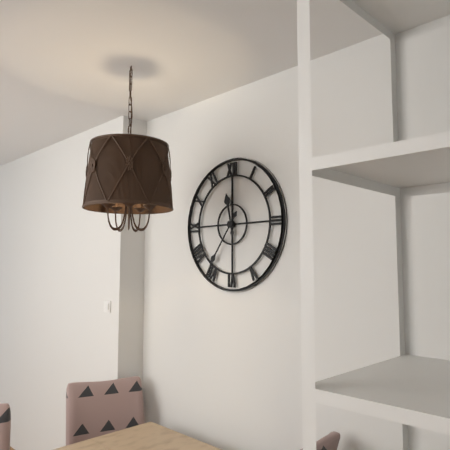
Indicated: 11:36
